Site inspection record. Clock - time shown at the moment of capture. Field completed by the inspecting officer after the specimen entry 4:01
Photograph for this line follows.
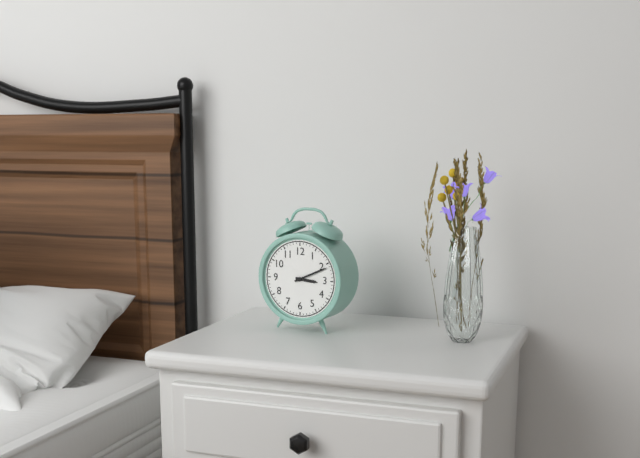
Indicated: 3:11
